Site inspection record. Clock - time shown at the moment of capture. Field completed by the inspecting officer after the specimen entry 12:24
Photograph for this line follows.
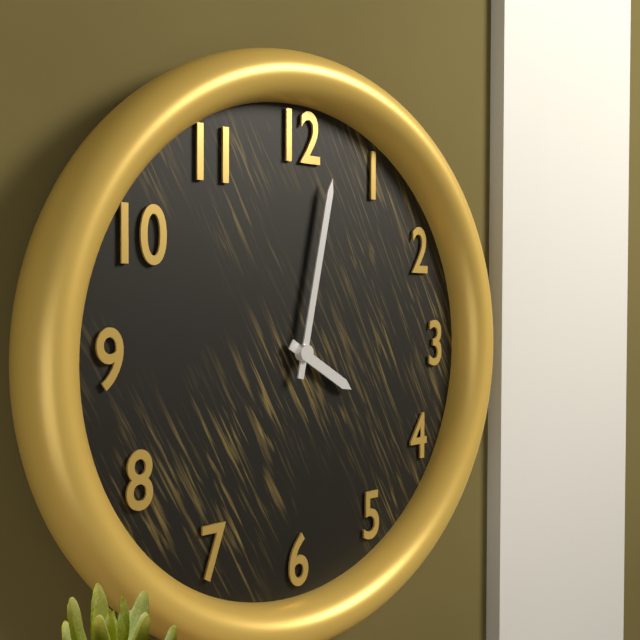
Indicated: 4:02
